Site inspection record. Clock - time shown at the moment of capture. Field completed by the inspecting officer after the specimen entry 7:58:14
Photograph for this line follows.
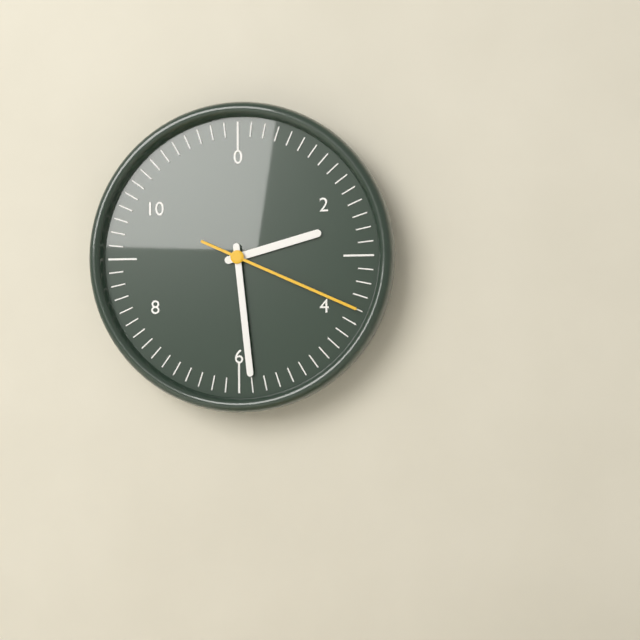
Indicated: 2:29:19
